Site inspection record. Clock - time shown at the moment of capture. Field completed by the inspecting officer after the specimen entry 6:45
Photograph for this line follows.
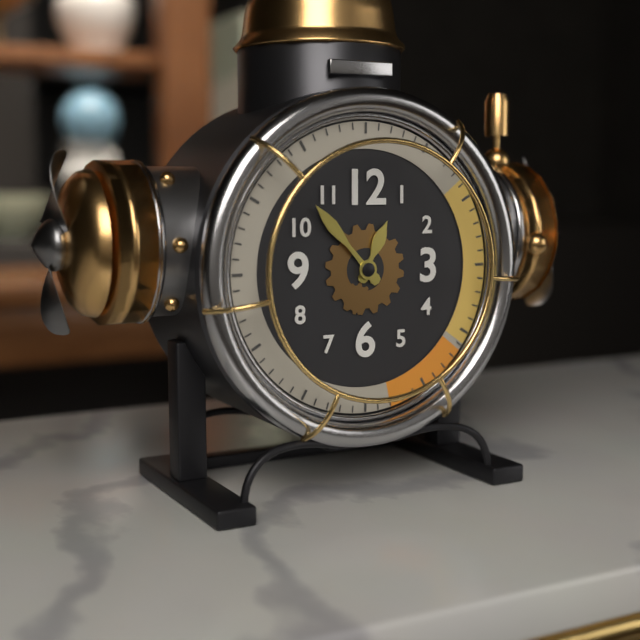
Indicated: 12:53
